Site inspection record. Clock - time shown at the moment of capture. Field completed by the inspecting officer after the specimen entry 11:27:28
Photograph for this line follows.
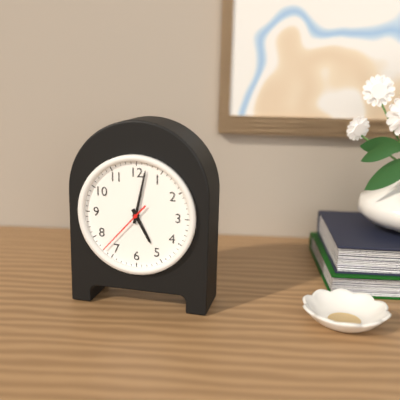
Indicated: 5:02:37
